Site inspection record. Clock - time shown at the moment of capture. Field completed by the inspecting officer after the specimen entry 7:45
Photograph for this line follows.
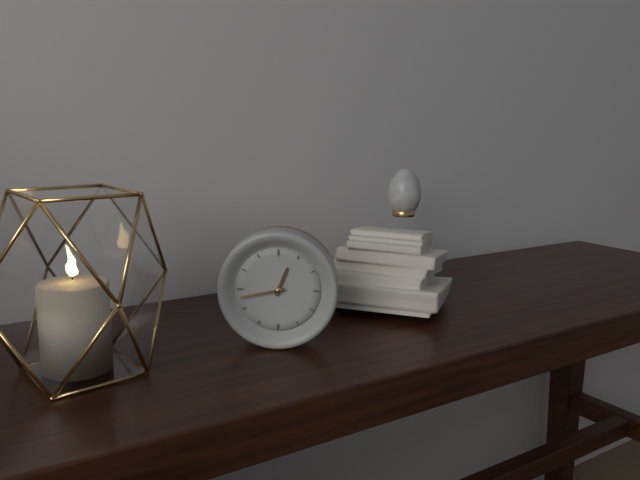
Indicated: 12:43
